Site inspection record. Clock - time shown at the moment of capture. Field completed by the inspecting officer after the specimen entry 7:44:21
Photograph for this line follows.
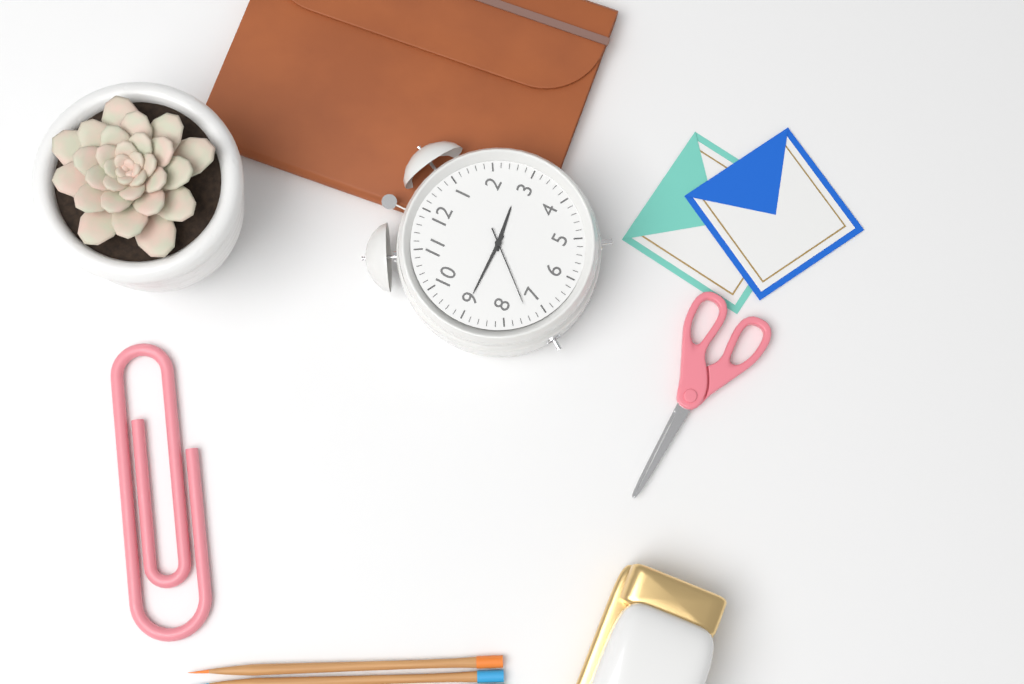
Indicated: 2:45:37
